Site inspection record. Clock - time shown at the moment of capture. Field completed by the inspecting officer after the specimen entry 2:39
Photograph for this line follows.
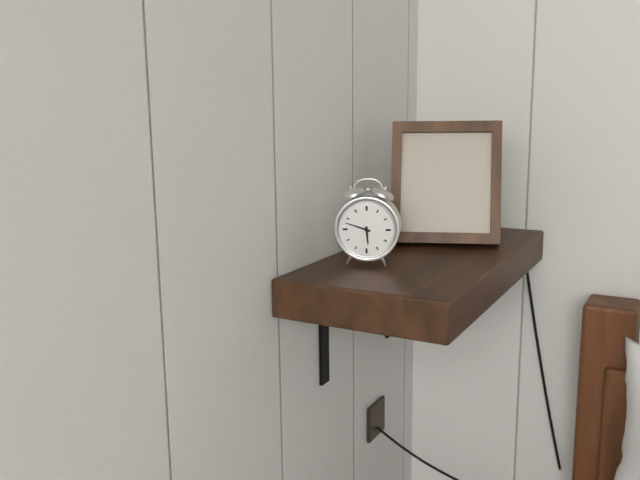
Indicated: 5:48
